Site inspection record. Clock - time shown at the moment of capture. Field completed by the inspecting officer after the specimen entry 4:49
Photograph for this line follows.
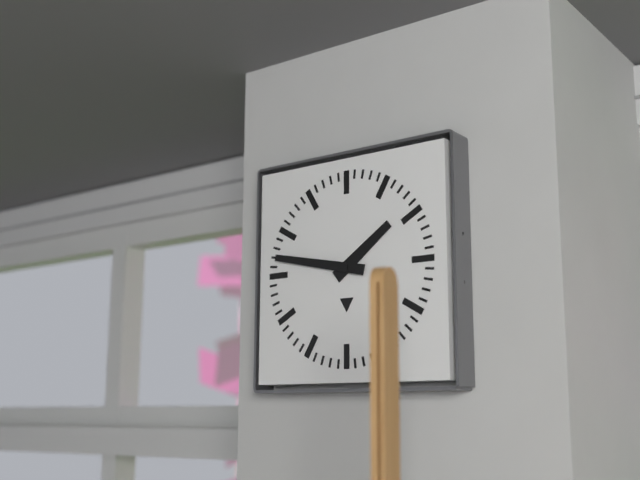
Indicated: 1:47
